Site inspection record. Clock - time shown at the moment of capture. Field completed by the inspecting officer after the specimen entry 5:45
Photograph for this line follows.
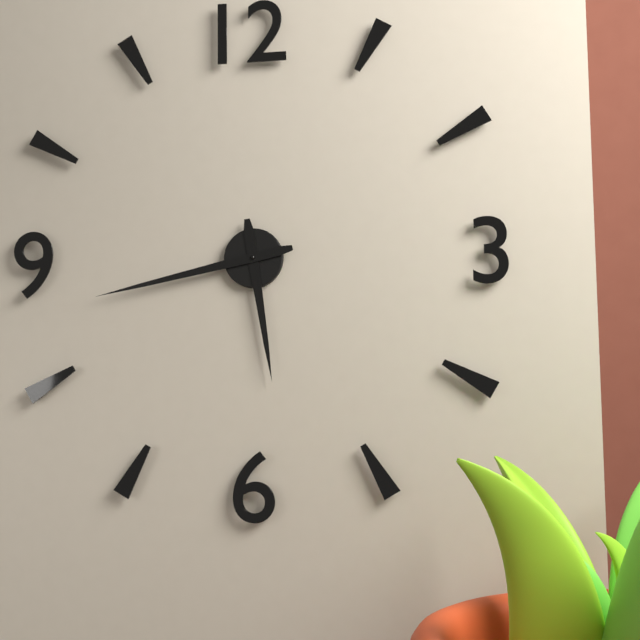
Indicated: 5:43
